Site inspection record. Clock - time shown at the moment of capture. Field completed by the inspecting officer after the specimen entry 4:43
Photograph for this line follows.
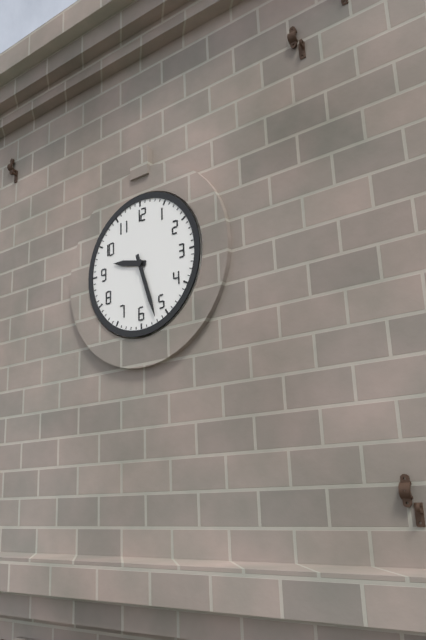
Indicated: 9:27
